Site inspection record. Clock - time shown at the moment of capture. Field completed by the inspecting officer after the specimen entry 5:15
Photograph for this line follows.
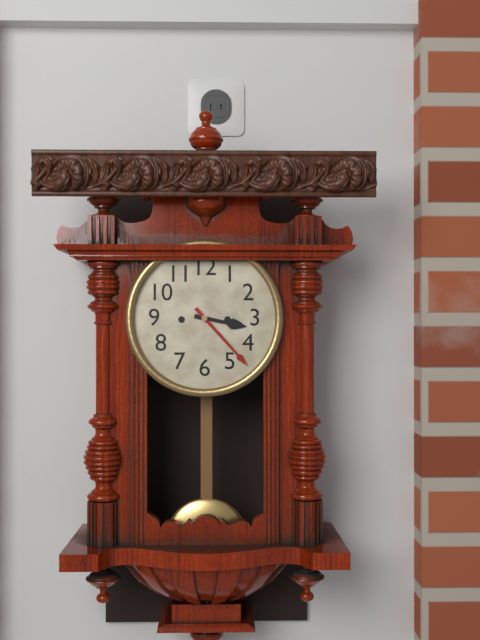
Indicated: 3:23
